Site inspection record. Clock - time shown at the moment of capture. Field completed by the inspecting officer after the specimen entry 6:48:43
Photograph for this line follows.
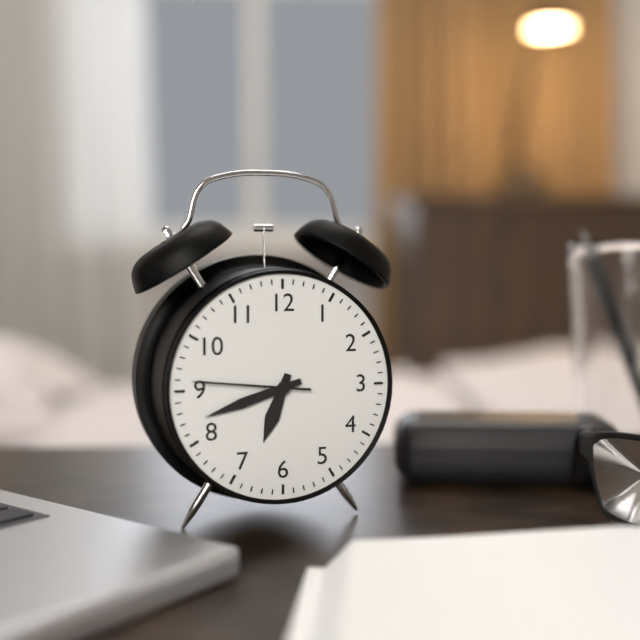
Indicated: 6:42:46
